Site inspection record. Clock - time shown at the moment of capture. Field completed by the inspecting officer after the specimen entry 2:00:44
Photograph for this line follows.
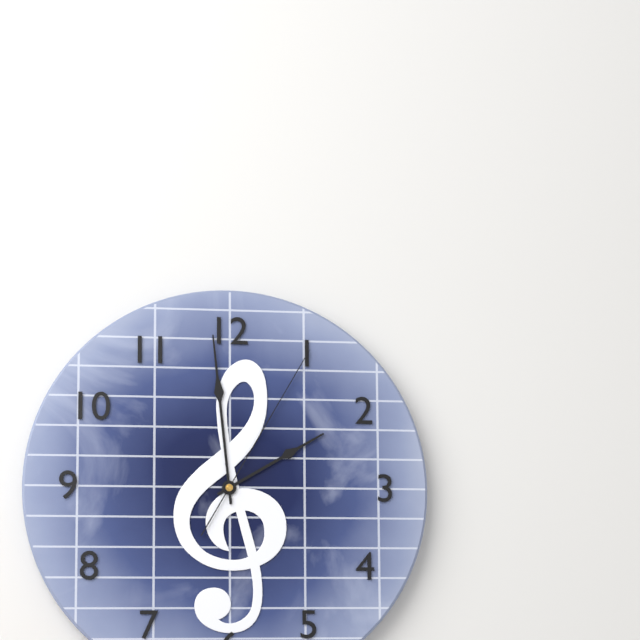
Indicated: 1:59:05
